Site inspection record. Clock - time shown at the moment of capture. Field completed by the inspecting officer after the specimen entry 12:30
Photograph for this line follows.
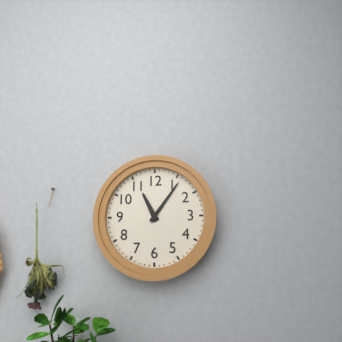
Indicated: 11:06
